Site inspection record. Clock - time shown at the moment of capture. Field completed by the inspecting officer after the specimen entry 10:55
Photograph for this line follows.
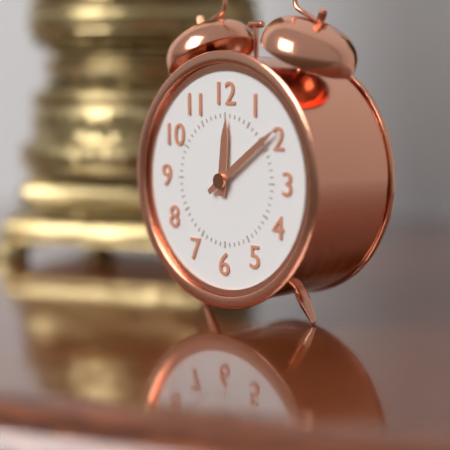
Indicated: 12:09
